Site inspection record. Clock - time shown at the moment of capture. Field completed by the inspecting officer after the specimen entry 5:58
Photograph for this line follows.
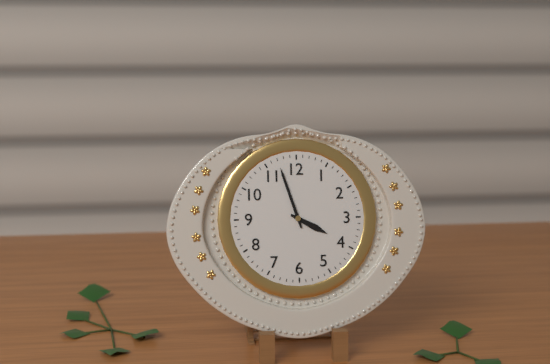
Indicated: 3:57
